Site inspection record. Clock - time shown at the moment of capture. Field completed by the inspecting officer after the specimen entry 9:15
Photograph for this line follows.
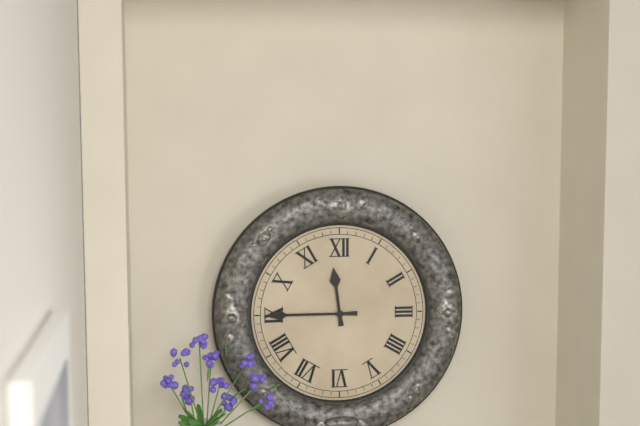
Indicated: 11:45
